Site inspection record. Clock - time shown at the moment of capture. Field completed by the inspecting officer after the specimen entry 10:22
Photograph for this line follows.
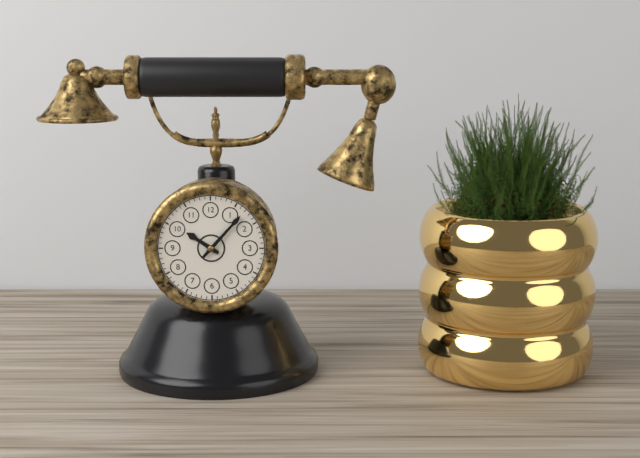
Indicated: 10:07
